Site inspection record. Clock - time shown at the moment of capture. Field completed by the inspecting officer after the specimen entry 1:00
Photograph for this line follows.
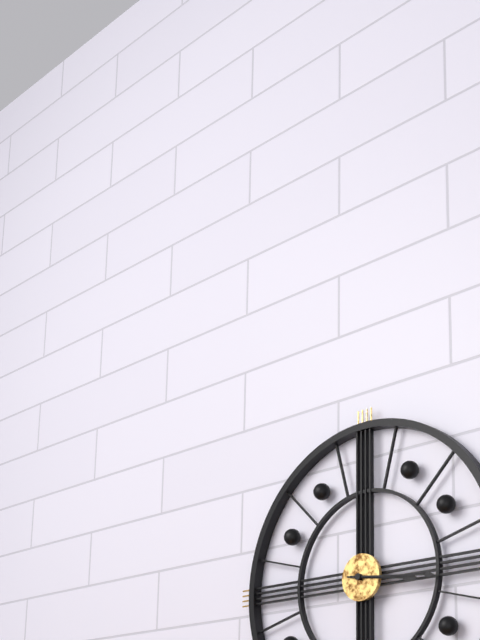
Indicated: 3:16
